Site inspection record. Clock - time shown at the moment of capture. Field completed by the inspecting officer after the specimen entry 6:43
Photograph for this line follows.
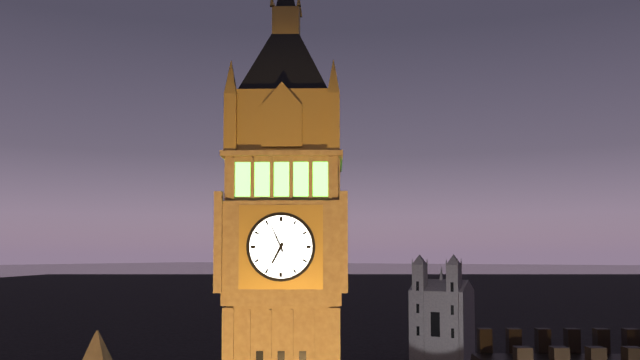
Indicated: 6:56
